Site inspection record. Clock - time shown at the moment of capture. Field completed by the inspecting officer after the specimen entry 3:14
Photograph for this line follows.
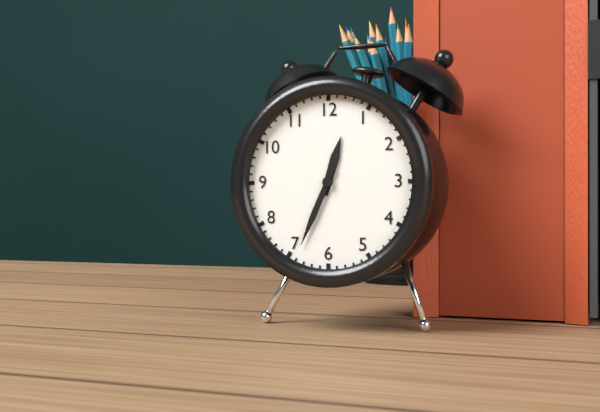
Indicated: 12:34
